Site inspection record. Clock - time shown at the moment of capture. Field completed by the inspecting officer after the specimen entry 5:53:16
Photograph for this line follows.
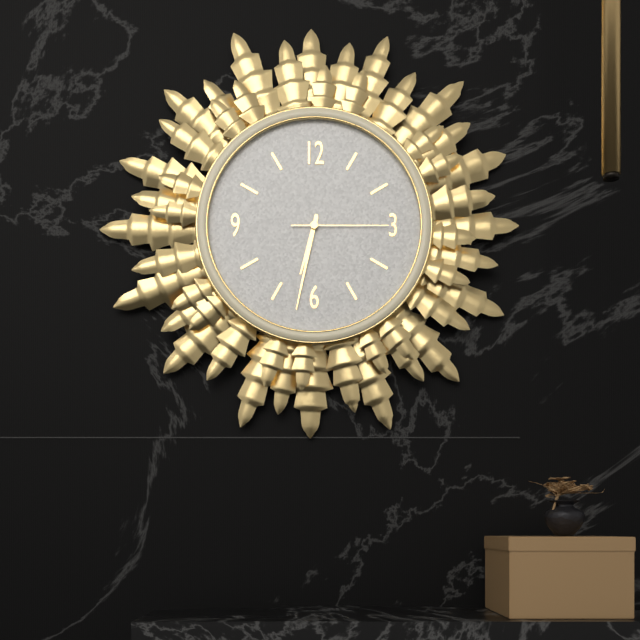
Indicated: 6:32:15
